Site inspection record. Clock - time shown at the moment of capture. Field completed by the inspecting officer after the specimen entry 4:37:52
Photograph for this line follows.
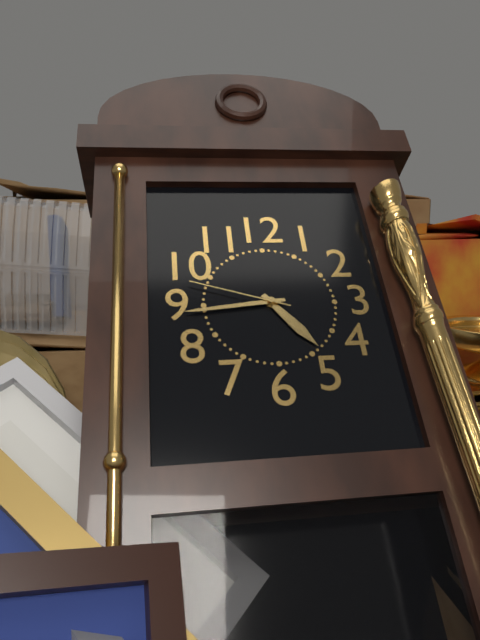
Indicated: 4:44:48
